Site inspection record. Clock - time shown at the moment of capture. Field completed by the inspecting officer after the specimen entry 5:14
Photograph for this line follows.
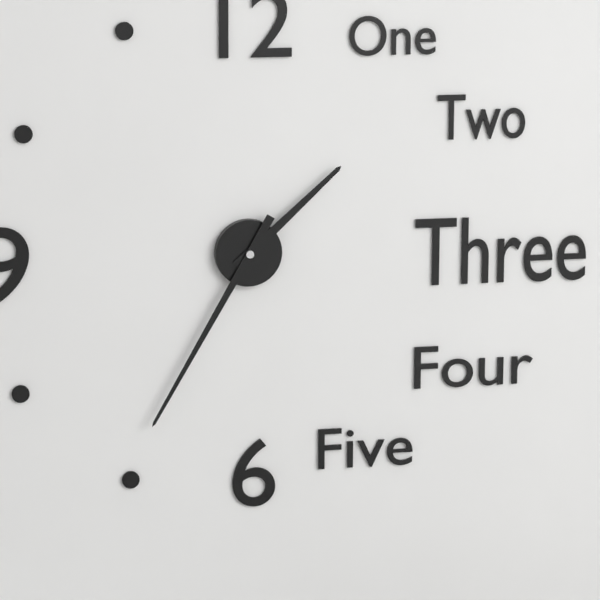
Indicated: 1:35
